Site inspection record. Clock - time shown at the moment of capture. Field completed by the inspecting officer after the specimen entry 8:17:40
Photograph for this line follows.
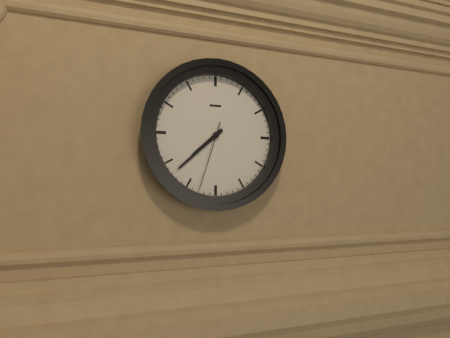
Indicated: 7:38:33
